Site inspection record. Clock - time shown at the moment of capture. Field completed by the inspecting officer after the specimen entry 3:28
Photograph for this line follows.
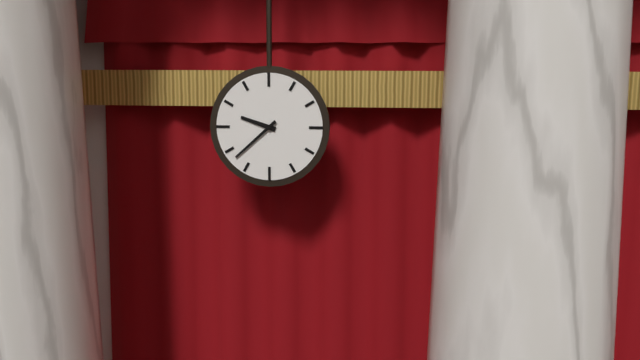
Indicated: 9:38
